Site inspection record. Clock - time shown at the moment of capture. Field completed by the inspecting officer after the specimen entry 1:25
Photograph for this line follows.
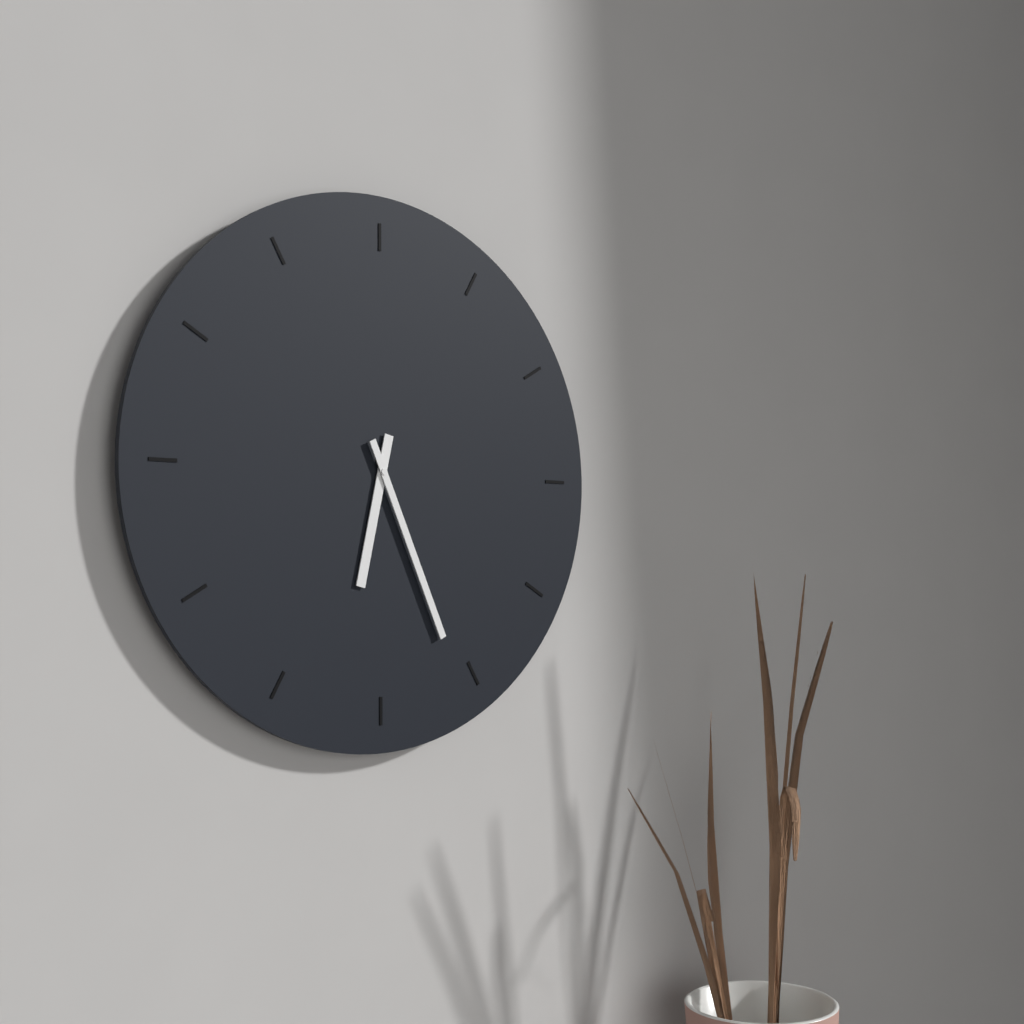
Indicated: 6:26
